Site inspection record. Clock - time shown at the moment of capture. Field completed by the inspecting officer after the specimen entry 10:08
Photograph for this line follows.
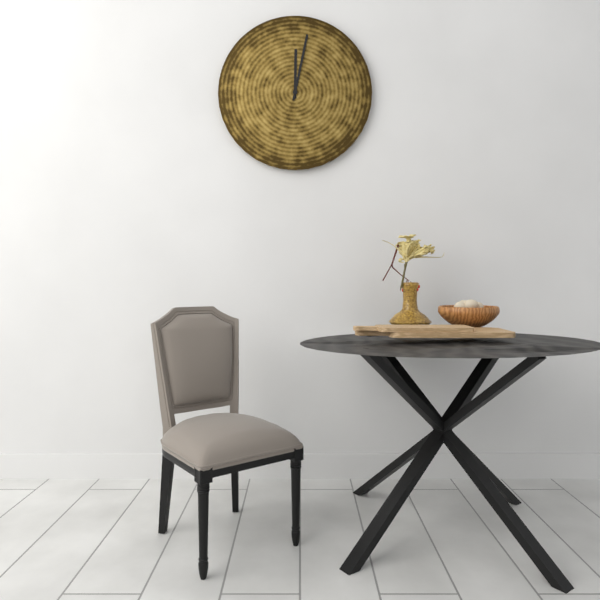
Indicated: 12:02
